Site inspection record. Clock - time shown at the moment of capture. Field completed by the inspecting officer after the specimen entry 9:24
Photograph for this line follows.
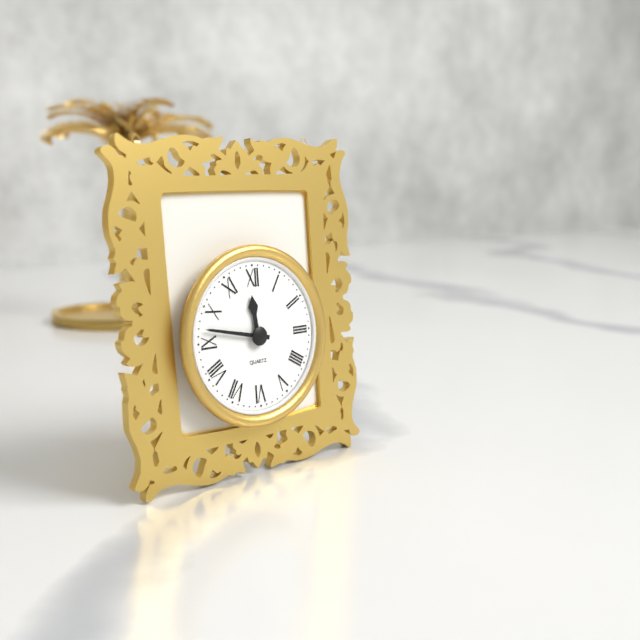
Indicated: 11:47
